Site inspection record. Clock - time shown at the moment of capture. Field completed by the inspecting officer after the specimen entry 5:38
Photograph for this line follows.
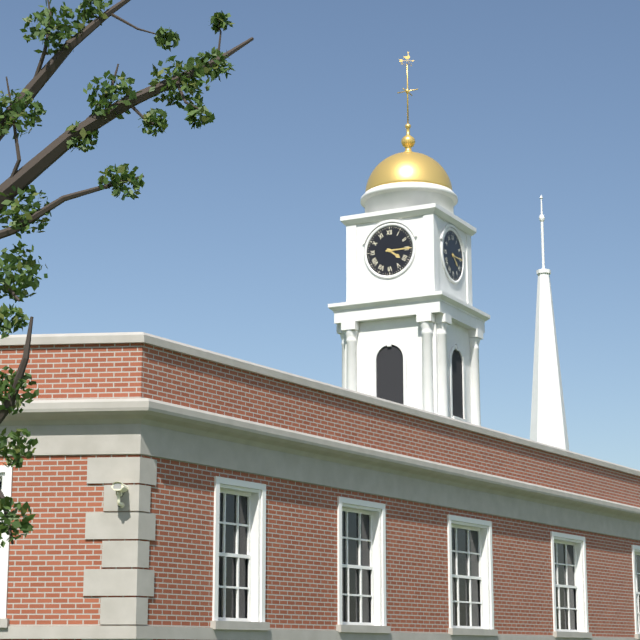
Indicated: 4:15
